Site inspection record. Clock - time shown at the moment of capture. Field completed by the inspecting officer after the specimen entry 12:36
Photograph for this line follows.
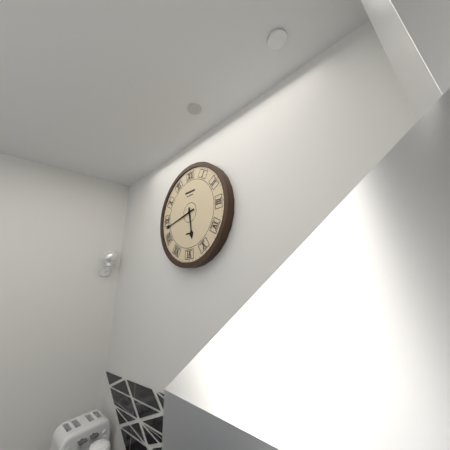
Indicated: 5:43
